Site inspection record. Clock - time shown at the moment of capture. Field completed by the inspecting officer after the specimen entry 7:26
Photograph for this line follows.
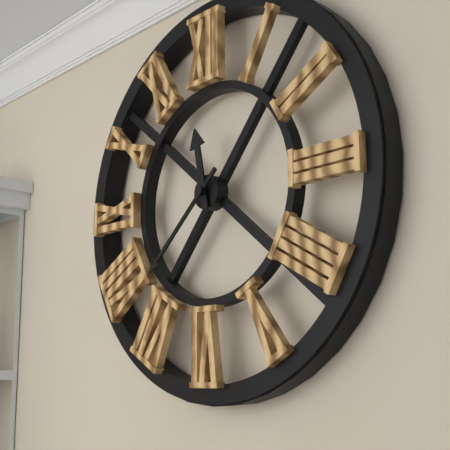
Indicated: 11:38
